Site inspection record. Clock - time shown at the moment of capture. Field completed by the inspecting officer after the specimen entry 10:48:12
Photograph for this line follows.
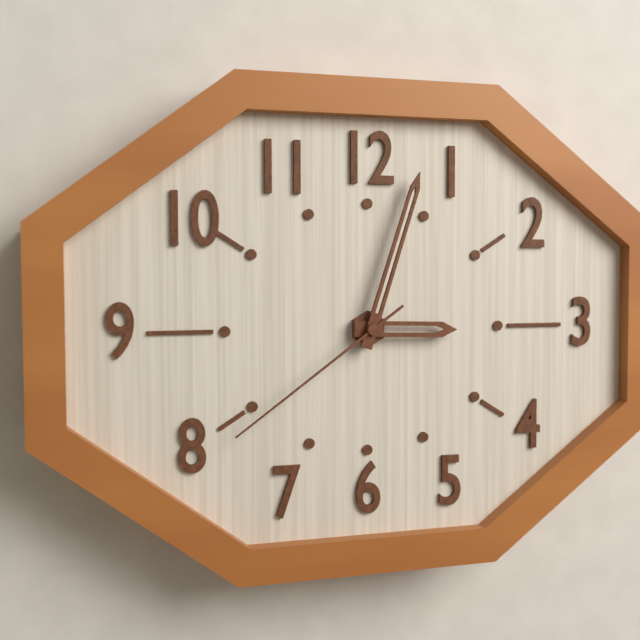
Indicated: 3:03:39
